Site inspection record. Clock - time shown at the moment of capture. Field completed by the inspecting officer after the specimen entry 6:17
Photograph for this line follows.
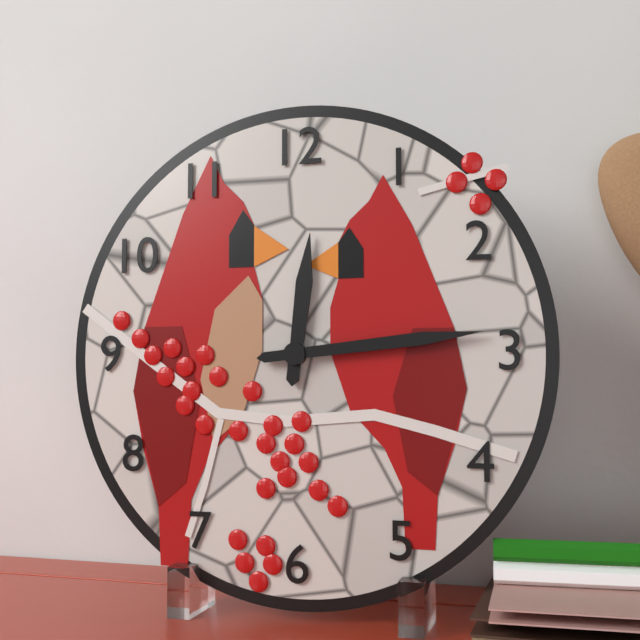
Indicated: 12:14
